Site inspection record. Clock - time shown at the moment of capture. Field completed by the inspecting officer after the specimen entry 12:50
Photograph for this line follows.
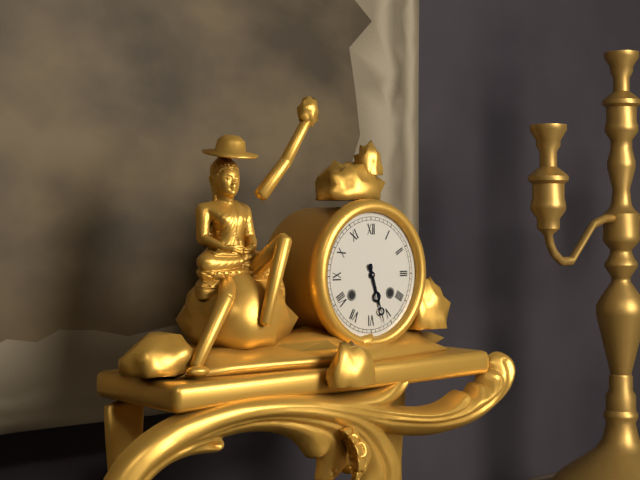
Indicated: 5:27
